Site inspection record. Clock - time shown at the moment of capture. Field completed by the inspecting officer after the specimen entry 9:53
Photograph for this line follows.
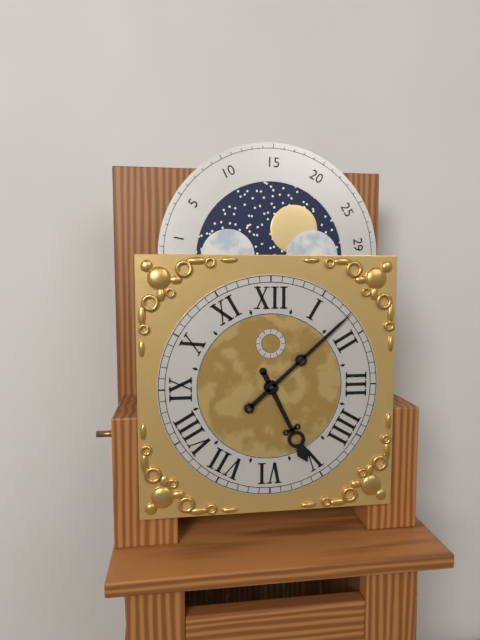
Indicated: 5:08
